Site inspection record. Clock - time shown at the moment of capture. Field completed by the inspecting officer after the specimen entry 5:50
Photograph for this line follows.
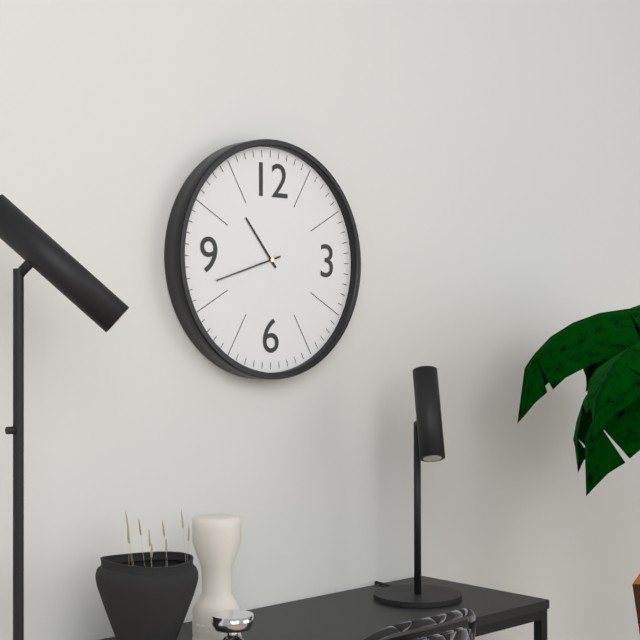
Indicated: 10:42
